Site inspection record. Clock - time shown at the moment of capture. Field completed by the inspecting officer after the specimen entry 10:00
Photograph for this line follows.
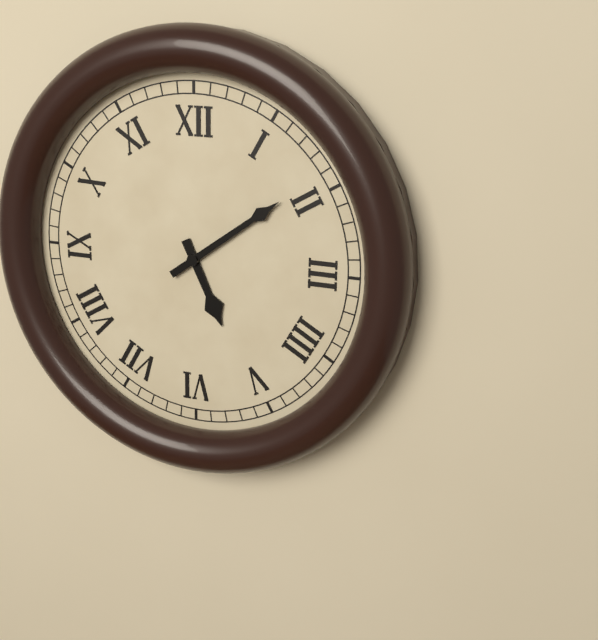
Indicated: 5:09
